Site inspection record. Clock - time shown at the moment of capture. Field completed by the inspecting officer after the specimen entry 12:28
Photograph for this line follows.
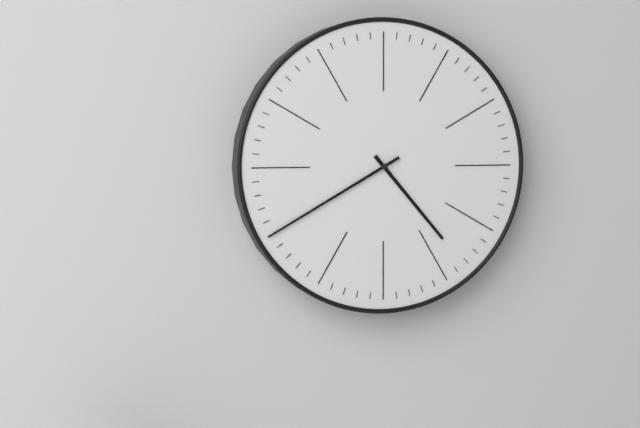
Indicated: 4:40
